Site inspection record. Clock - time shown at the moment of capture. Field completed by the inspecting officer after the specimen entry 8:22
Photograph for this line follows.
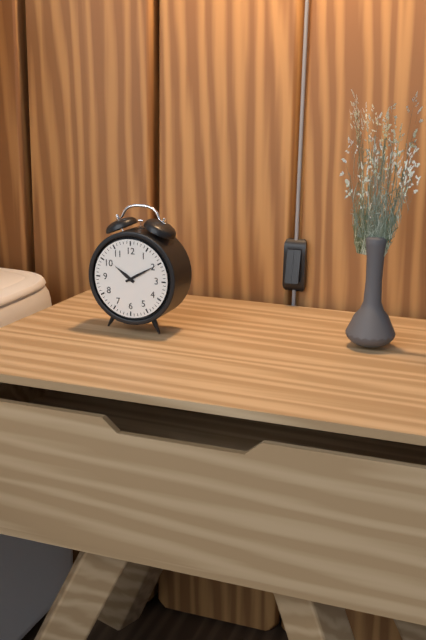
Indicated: 10:10
